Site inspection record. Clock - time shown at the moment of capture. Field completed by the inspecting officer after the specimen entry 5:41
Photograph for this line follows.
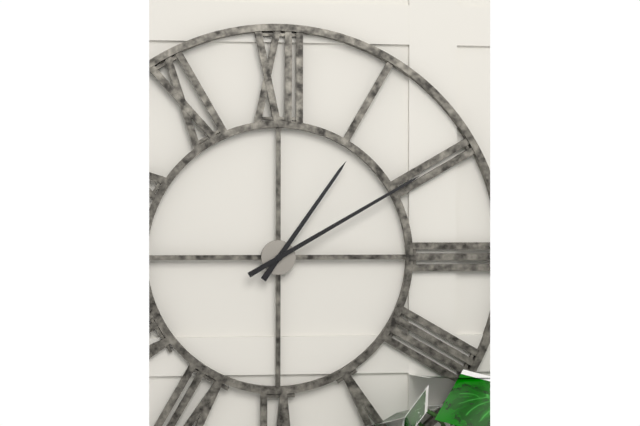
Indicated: 1:10
